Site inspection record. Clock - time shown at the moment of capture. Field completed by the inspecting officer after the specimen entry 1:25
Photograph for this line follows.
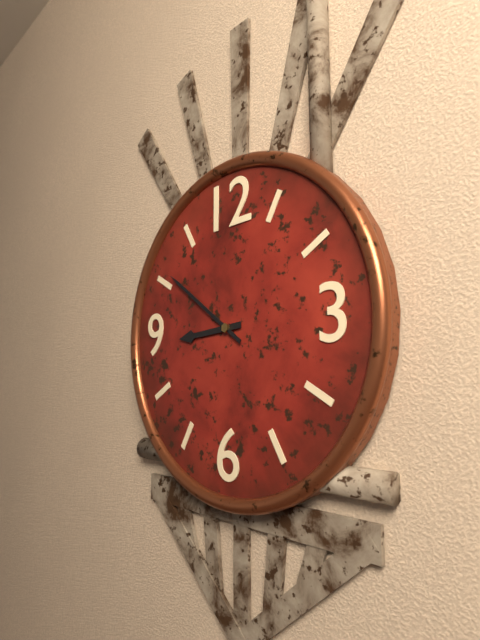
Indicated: 8:51
